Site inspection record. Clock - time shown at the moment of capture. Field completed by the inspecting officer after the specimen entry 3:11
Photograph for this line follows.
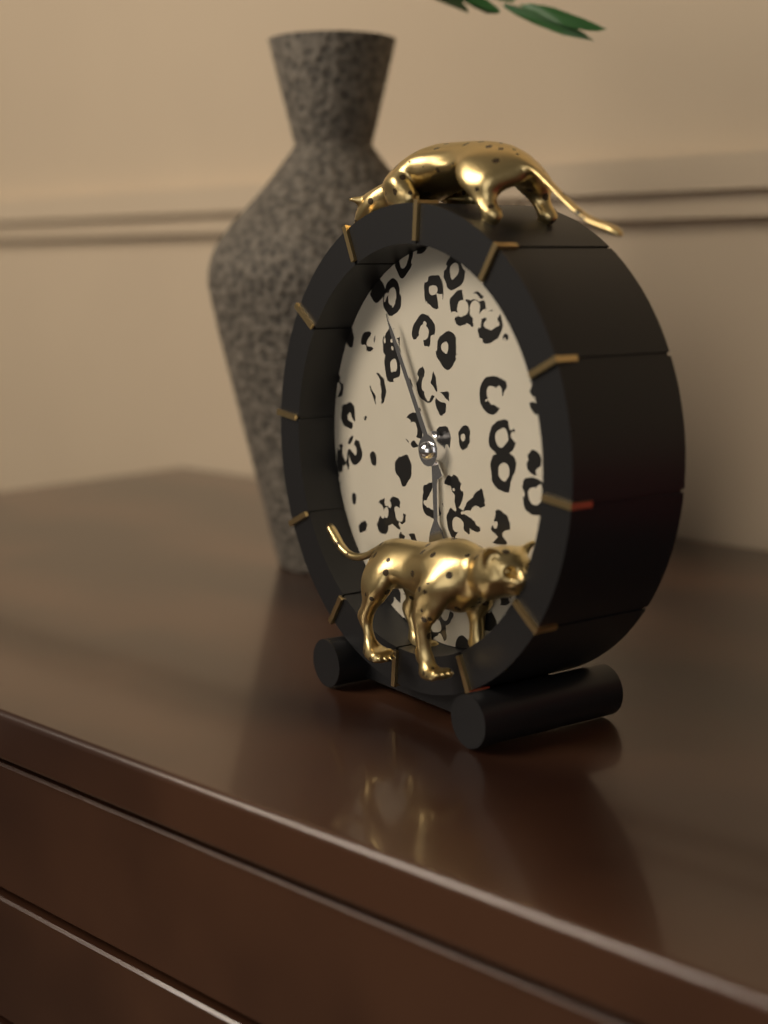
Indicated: 5:55
